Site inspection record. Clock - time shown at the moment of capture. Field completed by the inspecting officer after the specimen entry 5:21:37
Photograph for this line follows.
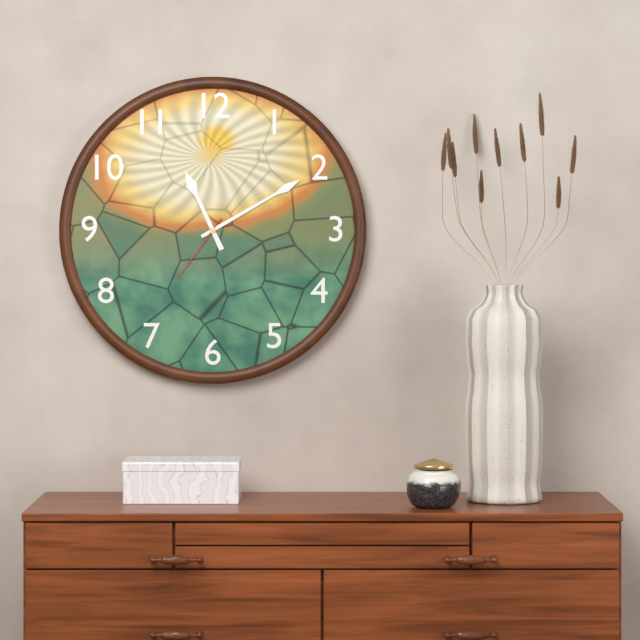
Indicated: 11:10:36
